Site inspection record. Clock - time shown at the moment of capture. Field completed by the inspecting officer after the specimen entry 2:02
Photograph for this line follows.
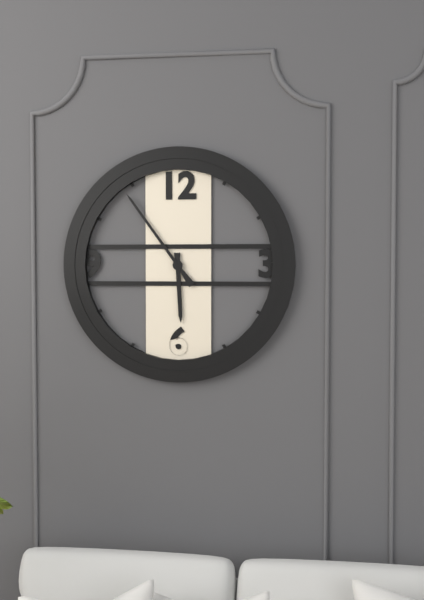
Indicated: 5:54
